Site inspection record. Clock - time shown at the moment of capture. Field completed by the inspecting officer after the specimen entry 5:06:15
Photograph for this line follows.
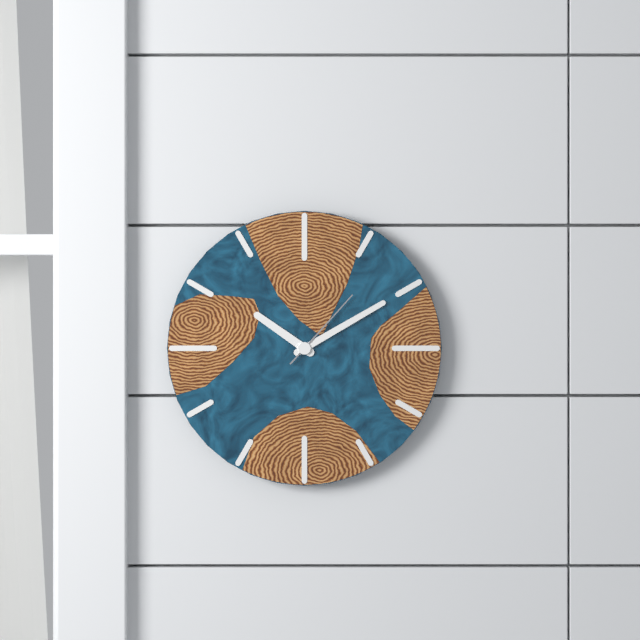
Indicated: 10:10:07
